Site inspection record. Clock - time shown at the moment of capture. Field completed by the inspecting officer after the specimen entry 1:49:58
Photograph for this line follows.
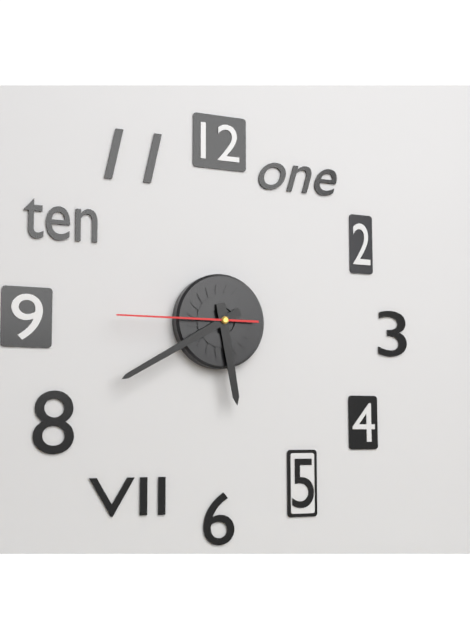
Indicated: 5:40:45
